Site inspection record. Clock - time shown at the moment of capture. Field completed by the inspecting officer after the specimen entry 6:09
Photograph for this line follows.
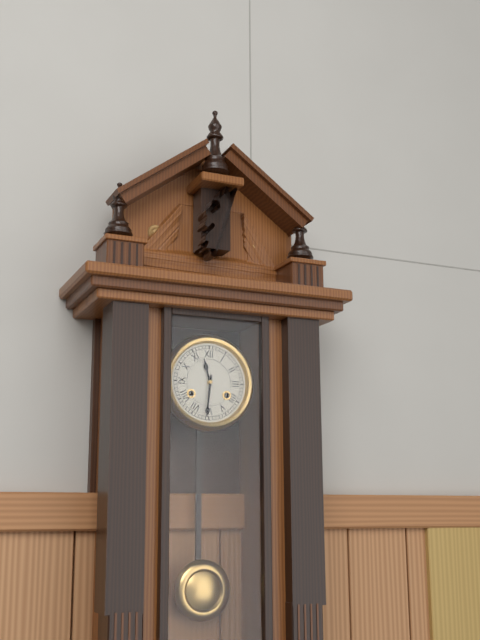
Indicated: 11:31
